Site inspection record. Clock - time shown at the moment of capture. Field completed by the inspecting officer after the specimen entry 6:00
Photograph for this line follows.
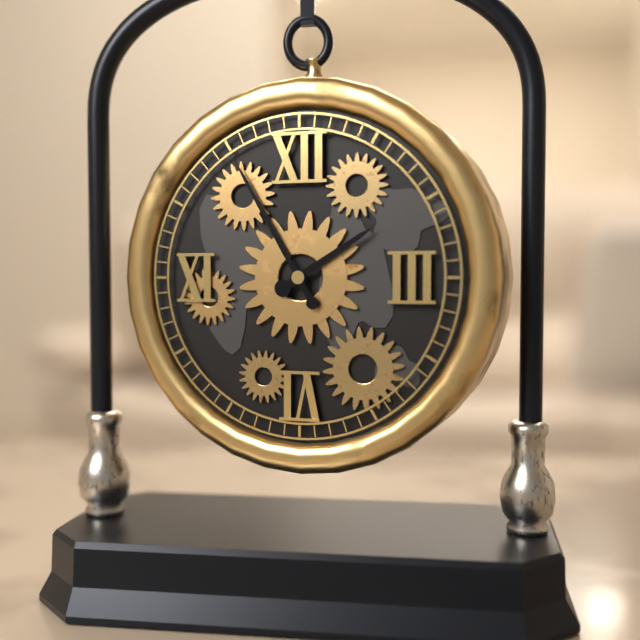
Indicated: 1:55
